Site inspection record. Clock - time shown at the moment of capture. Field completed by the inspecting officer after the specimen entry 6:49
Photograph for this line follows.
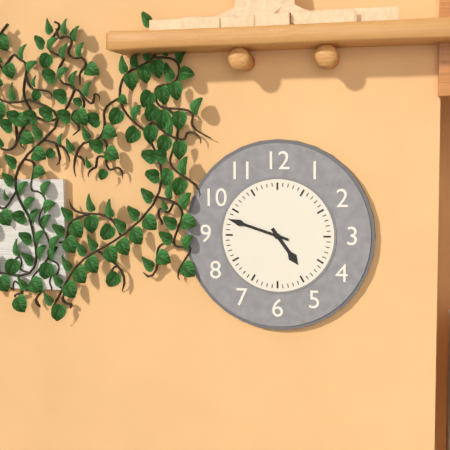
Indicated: 4:48
